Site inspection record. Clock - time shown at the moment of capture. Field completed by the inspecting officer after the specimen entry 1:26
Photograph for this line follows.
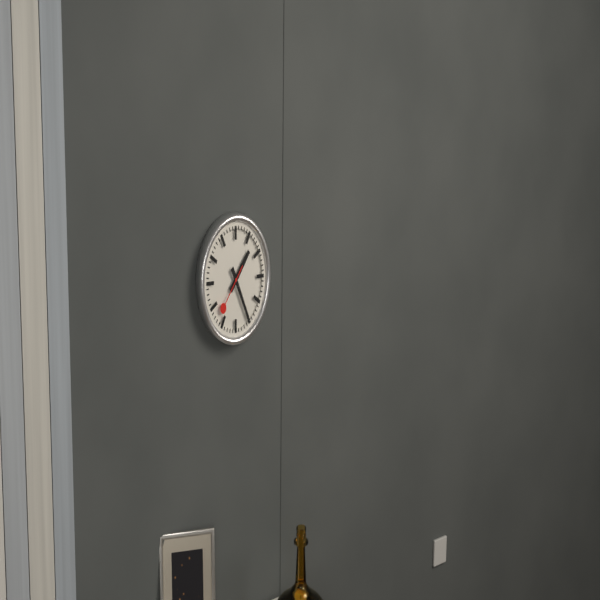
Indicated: 1:25
